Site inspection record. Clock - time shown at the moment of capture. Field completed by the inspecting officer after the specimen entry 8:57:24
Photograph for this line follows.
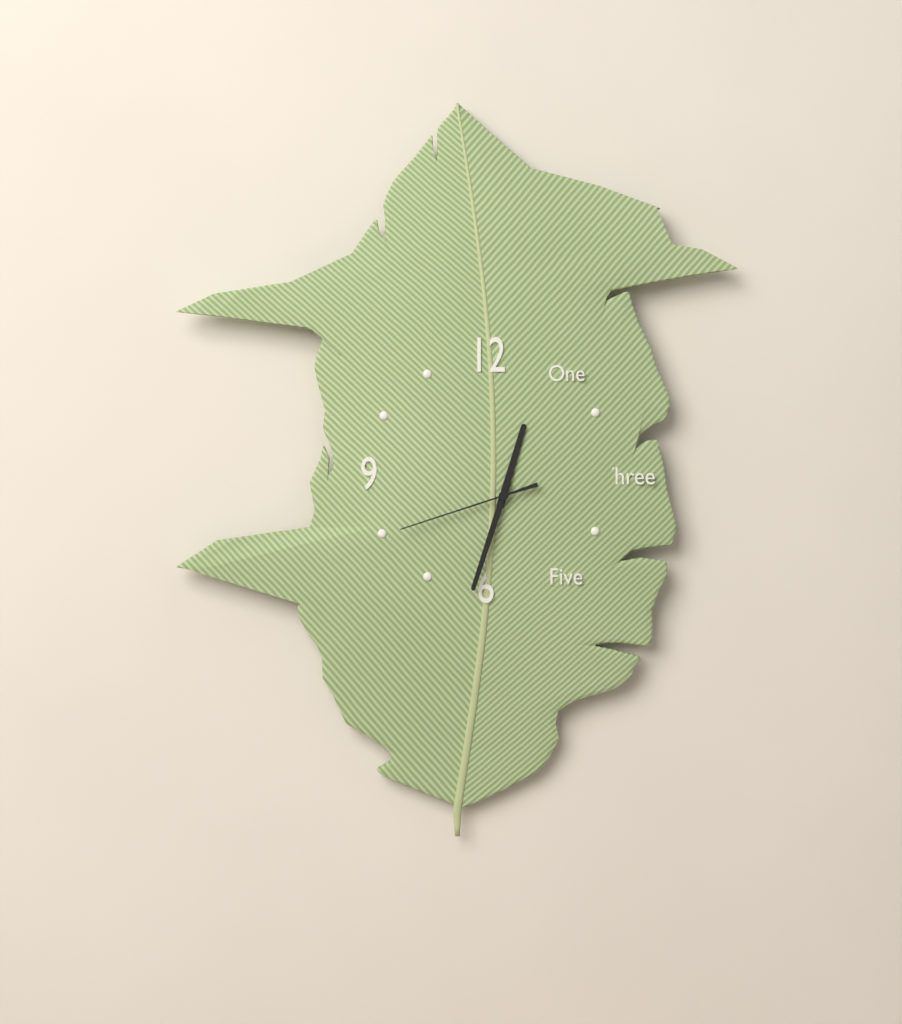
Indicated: 12:33:42
